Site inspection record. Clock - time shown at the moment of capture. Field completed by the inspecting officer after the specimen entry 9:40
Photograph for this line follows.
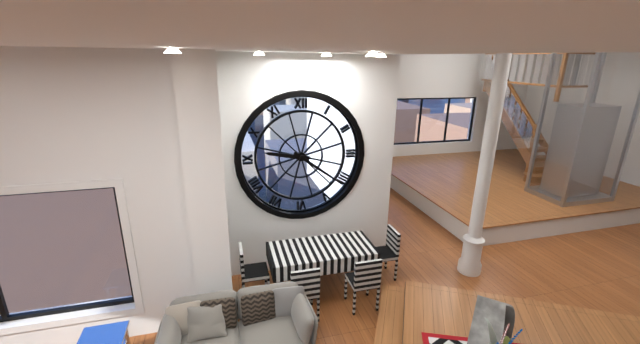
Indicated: 9:21
